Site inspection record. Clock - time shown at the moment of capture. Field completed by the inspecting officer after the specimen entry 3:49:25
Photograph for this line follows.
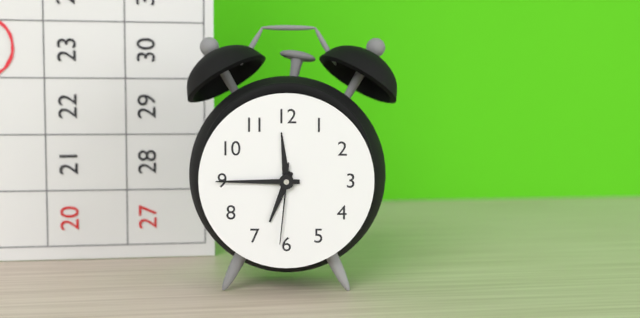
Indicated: 6:45:31
